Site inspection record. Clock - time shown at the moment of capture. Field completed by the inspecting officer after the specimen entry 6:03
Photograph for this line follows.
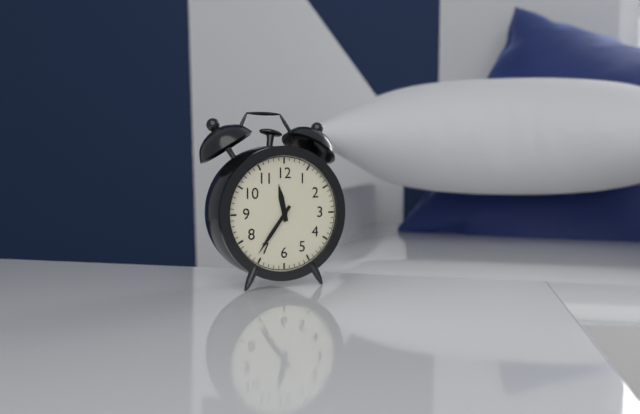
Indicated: 11:36
